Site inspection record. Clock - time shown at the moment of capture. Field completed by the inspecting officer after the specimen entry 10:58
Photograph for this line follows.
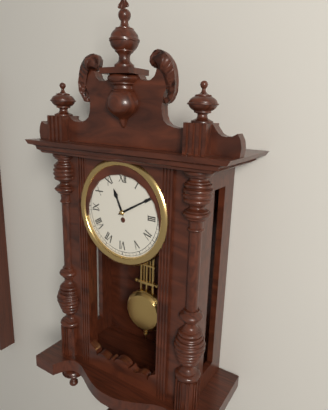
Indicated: 11:10
